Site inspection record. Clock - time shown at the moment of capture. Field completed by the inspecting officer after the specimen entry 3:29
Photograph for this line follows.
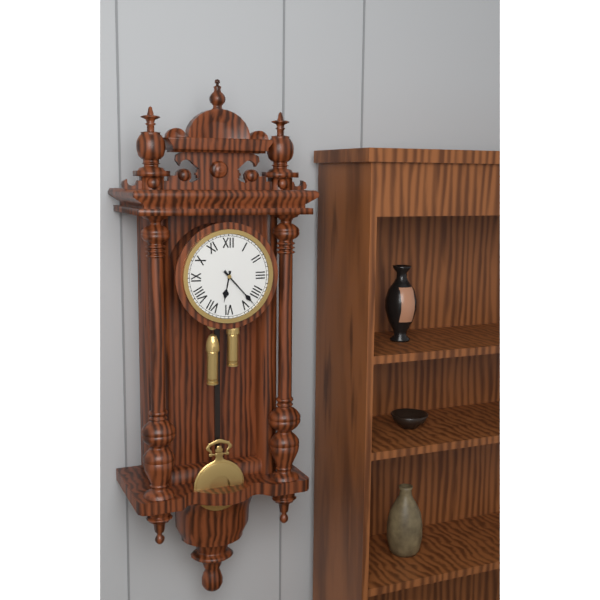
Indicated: 6:23
